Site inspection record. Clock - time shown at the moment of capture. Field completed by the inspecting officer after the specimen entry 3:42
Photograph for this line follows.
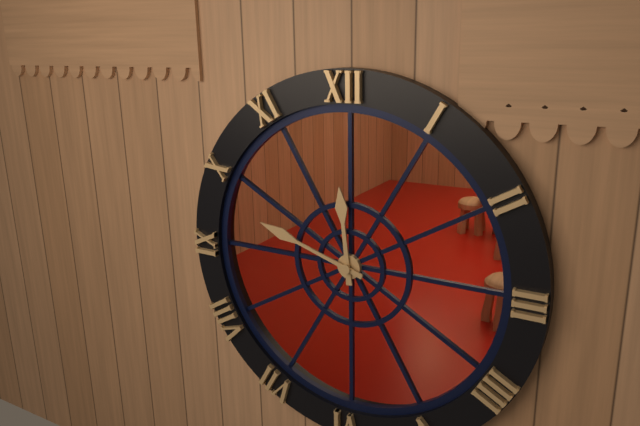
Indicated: 11:48
